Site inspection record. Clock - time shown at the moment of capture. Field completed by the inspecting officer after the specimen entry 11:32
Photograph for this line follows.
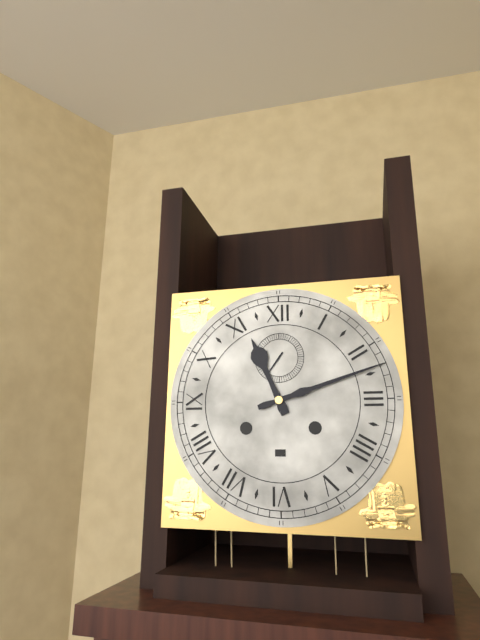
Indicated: 11:12
